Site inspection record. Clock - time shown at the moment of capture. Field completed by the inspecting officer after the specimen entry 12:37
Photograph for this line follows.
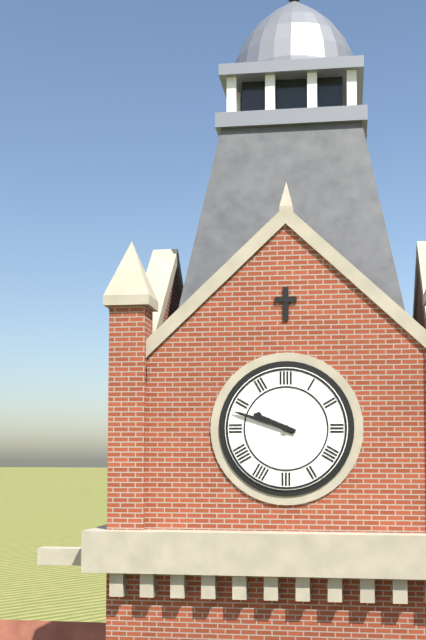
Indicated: 9:48
